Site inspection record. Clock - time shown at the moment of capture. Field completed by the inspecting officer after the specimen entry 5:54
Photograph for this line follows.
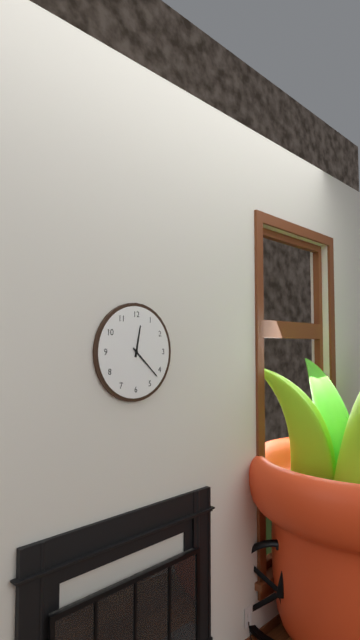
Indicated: 12:22
